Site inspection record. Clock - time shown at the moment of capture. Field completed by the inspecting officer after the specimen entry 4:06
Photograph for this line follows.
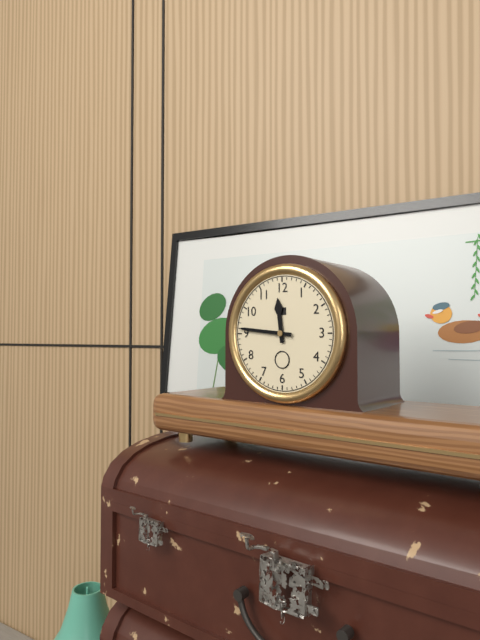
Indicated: 11:46
